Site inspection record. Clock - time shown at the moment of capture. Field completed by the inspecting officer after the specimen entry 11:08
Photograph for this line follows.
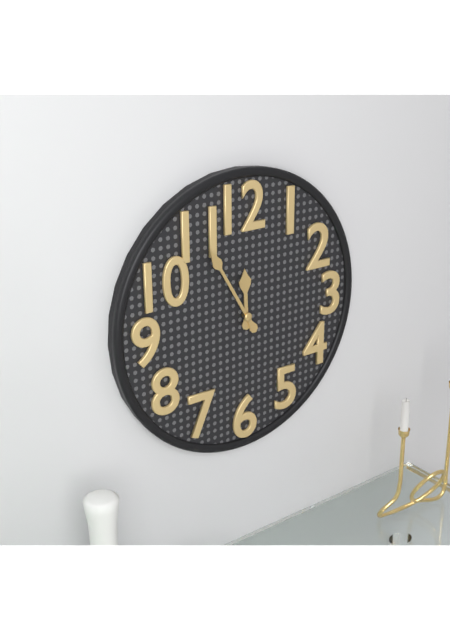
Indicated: 11:55
